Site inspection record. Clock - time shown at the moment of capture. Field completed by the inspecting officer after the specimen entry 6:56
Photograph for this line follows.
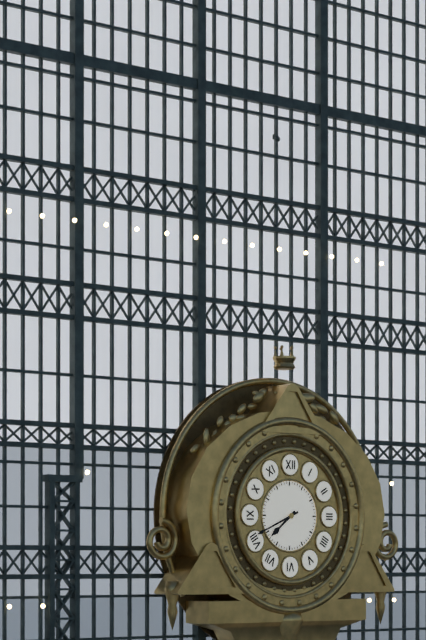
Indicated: 7:41
